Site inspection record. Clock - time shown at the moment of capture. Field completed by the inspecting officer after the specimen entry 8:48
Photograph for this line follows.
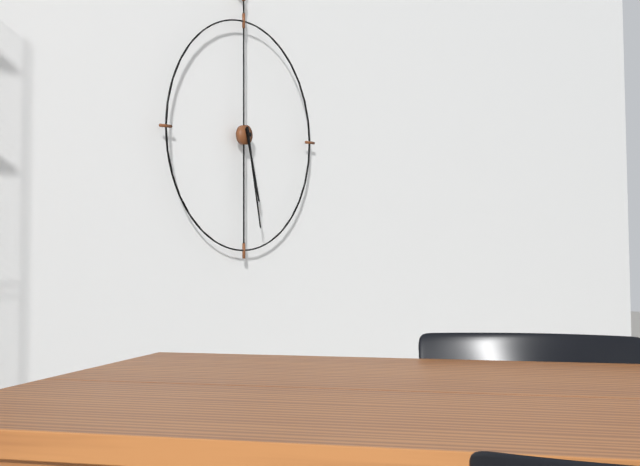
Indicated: 5:28
